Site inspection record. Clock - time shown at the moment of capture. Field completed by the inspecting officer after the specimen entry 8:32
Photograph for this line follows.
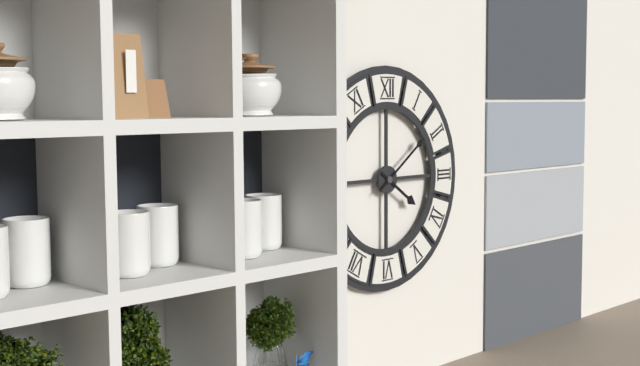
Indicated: 4:09
